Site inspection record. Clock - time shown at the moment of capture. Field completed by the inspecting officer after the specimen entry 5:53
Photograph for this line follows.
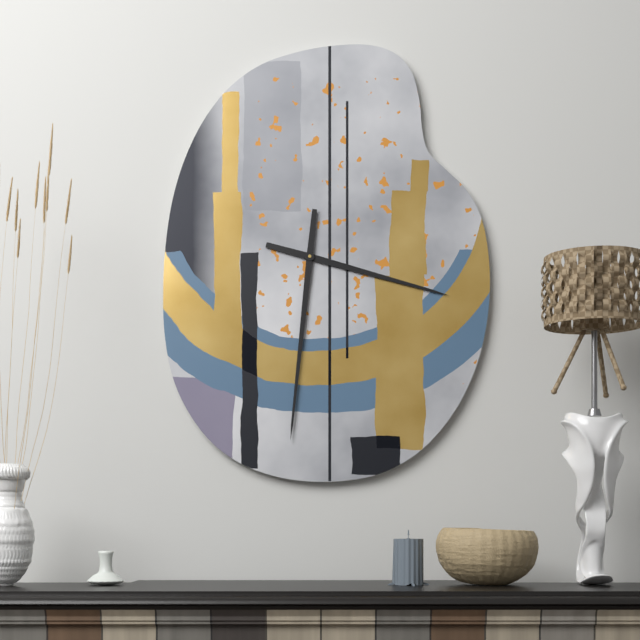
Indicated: 3:31
